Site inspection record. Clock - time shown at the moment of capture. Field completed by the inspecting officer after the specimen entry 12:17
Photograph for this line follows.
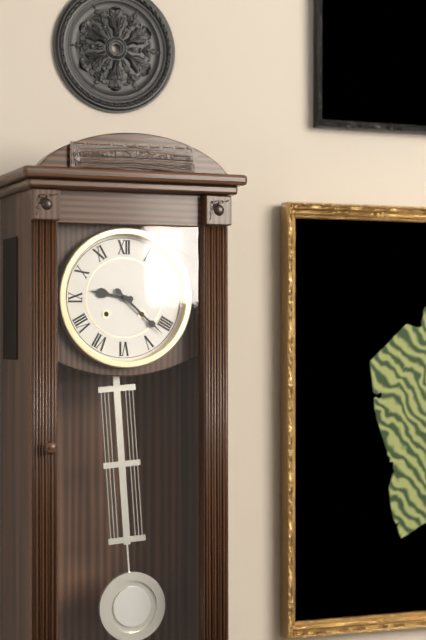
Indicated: 9:22
